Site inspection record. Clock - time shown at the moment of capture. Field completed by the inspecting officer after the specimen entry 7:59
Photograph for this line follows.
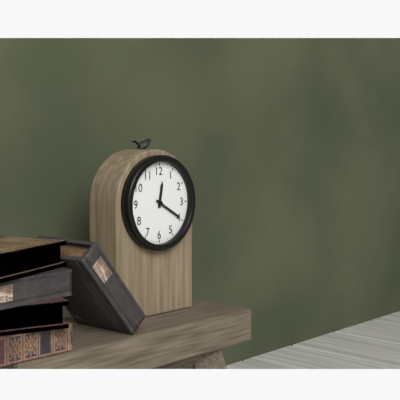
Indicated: 12:20
